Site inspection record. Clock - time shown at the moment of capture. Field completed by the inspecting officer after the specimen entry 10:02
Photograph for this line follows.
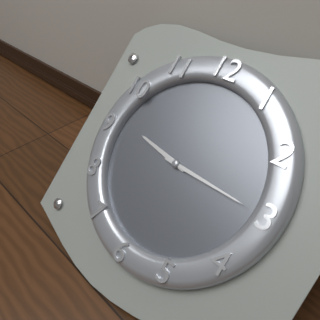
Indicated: 9:15
